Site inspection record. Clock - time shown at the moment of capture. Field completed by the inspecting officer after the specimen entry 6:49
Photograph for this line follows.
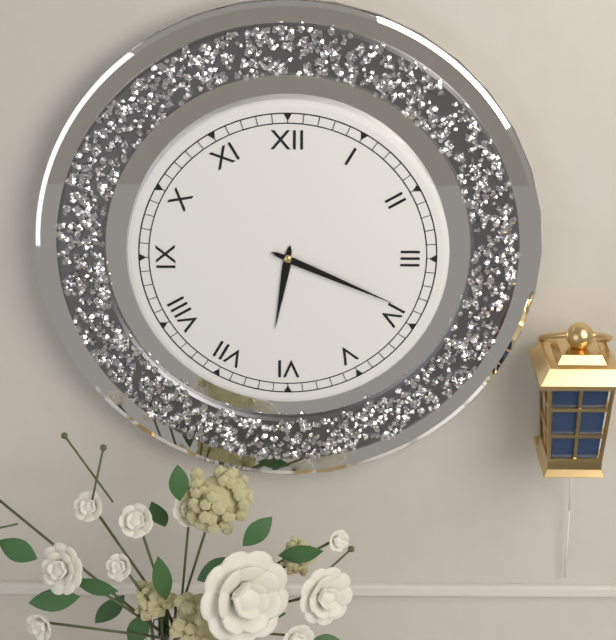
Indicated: 6:19
